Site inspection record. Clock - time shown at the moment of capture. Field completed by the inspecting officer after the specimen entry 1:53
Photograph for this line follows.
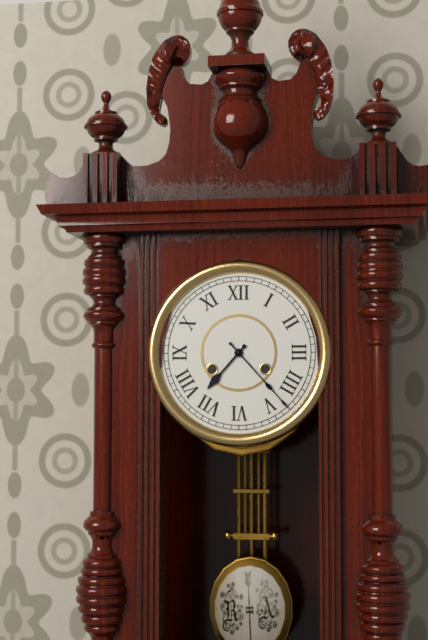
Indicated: 7:23
